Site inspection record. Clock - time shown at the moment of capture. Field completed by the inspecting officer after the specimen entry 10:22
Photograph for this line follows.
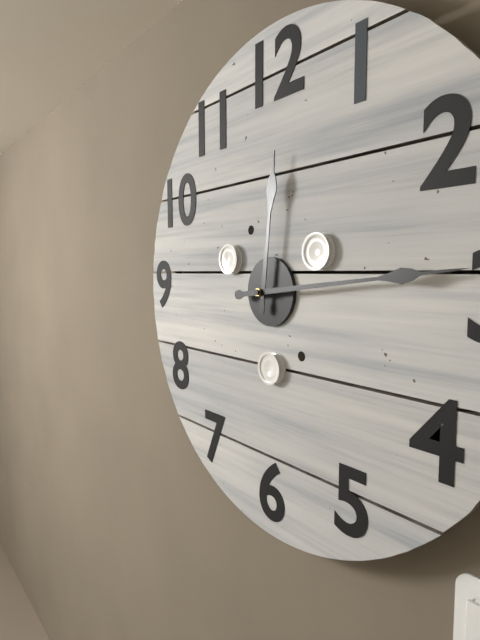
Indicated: 12:14
